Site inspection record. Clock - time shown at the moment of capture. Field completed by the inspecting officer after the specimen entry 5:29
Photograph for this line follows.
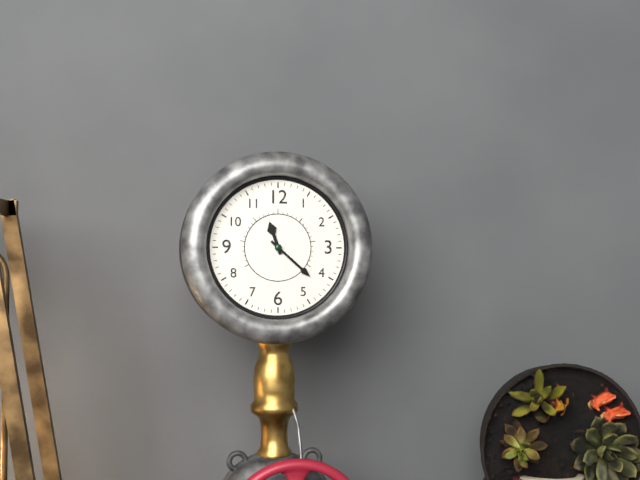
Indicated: 11:22
